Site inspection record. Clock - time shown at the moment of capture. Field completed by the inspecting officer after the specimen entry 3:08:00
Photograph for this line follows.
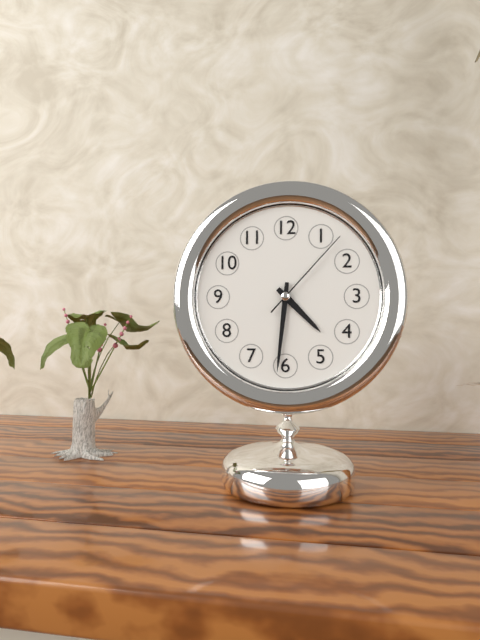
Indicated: 4:31:07
